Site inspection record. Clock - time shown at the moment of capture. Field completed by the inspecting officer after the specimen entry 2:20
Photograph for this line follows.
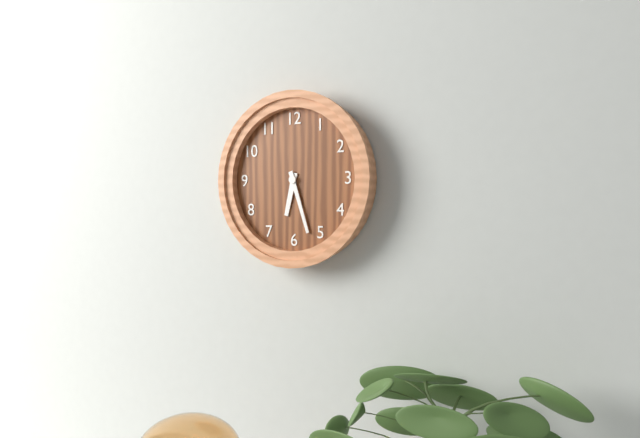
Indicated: 6:27
